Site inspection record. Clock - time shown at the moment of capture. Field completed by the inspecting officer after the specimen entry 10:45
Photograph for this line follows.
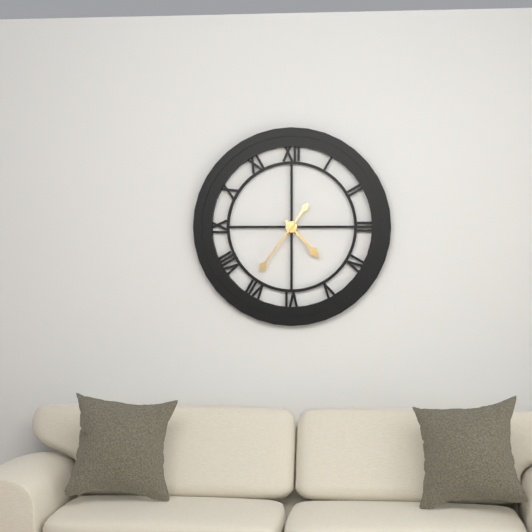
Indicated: 4:36
